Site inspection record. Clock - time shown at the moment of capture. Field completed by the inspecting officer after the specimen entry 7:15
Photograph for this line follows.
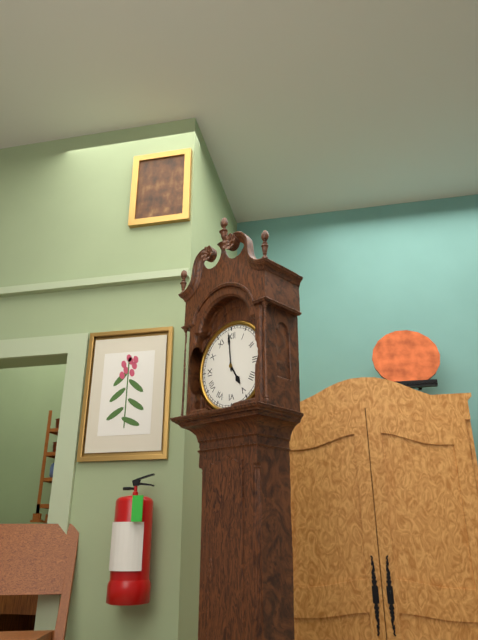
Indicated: 4:59
